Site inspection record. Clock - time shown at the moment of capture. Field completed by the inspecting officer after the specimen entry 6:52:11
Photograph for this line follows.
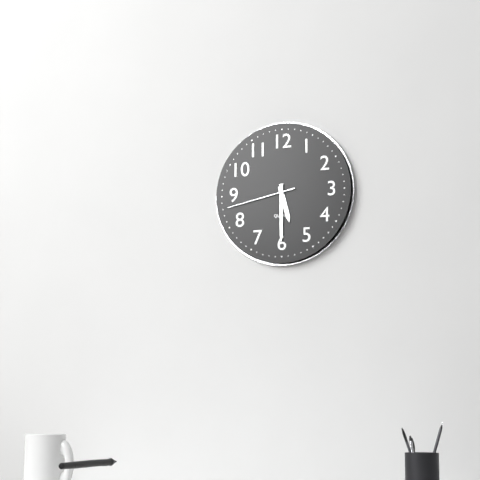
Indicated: 5:30:43
